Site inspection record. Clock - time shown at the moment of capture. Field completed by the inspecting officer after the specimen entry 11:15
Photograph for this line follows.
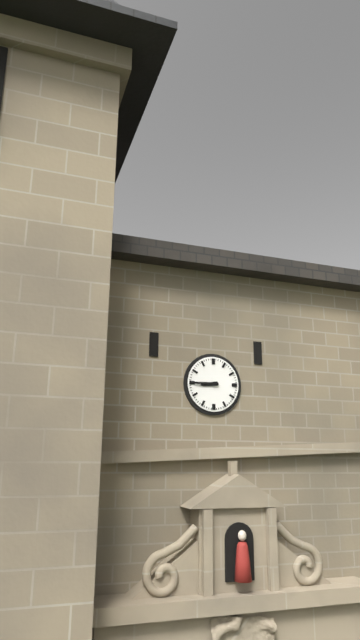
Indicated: 8:45
